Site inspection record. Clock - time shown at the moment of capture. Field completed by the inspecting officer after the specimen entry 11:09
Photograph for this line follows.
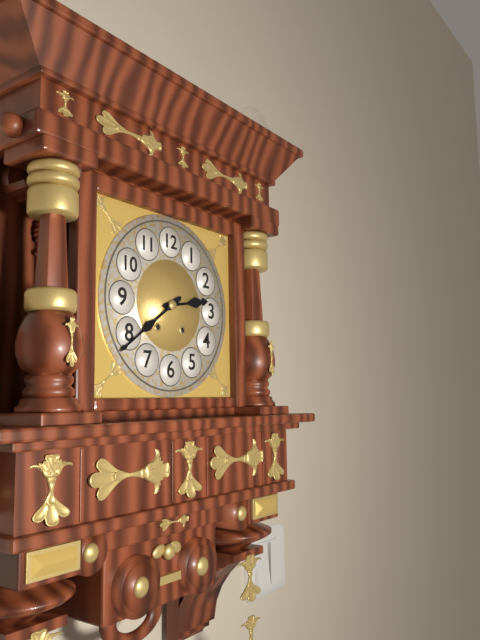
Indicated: 2:39
